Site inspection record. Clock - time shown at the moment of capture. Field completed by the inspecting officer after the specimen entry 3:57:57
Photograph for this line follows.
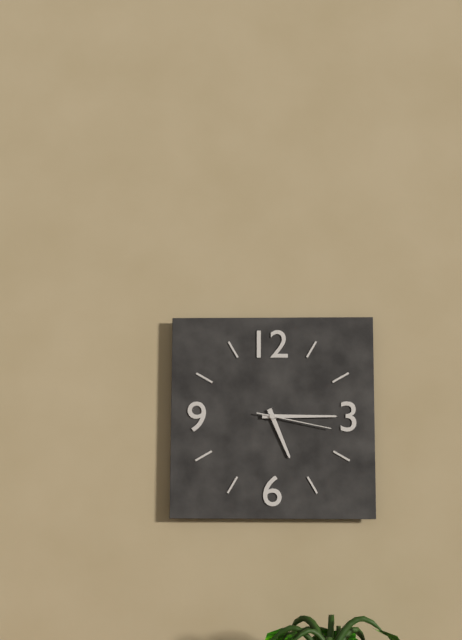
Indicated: 5:15:17
